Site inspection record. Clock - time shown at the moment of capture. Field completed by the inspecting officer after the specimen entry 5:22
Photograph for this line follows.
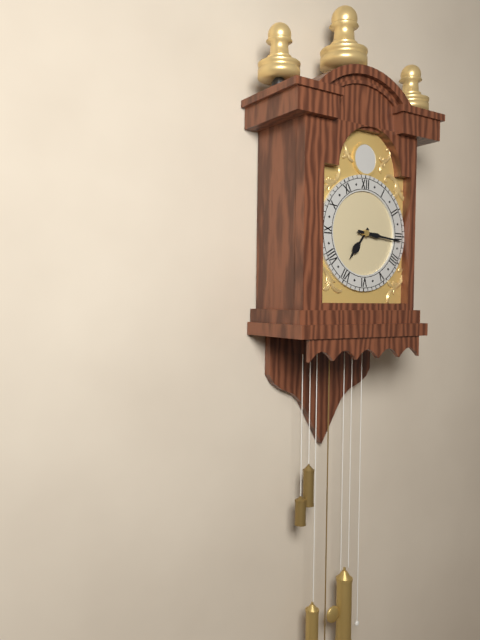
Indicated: 7:16
